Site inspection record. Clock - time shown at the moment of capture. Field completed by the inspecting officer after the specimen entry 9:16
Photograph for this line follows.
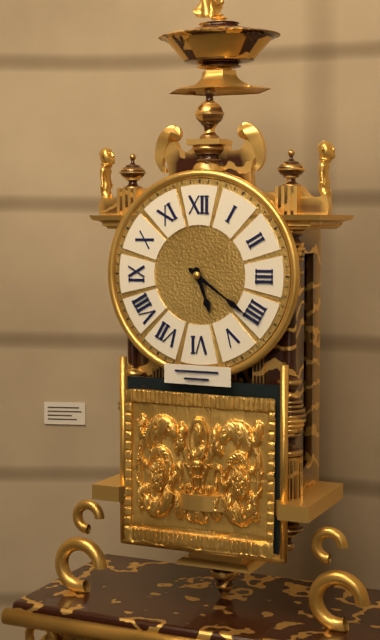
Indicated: 5:21
